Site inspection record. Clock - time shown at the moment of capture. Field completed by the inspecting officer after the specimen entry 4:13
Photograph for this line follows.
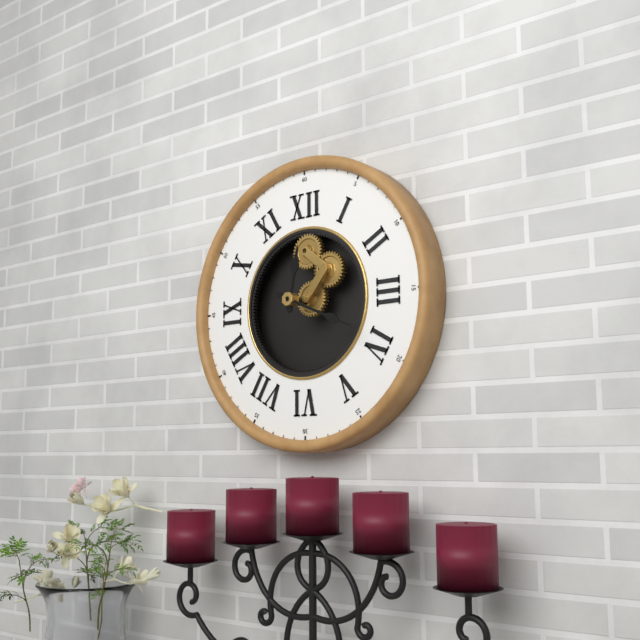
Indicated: 12:19
